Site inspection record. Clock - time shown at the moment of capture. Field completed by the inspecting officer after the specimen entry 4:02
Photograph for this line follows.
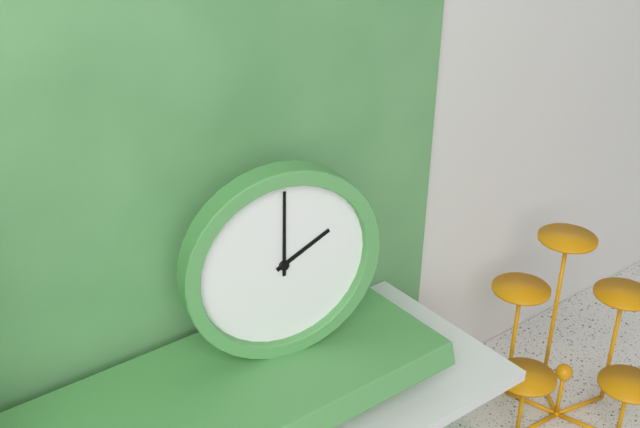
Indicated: 2:00
